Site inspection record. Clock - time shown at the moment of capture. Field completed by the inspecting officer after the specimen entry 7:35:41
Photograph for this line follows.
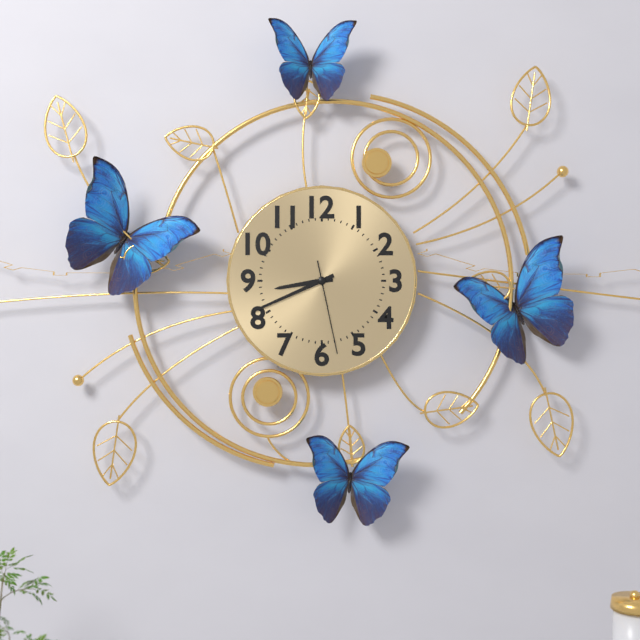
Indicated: 8:41:28
